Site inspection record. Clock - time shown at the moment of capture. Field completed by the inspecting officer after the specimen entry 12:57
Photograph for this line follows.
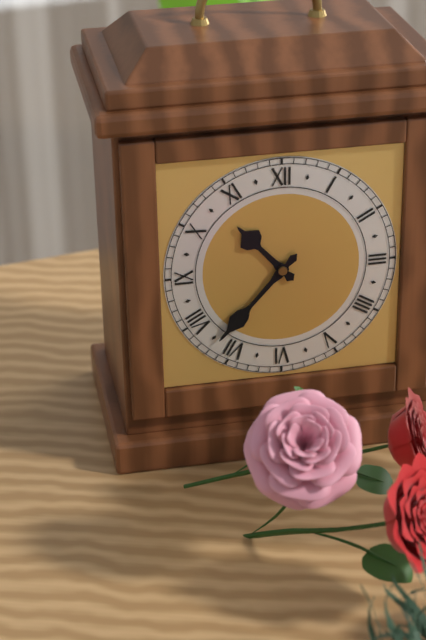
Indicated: 10:37
